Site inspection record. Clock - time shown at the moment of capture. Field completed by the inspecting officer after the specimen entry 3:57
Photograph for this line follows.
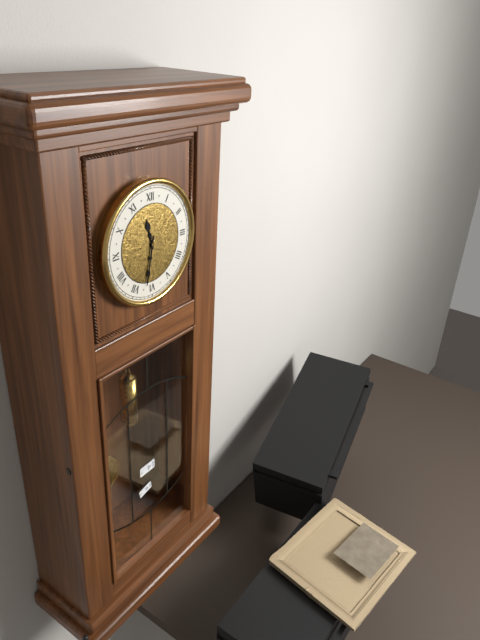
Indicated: 11:32
